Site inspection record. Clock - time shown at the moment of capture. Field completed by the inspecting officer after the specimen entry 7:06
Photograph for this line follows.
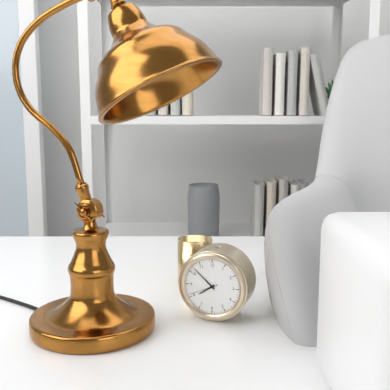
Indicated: 7:52
